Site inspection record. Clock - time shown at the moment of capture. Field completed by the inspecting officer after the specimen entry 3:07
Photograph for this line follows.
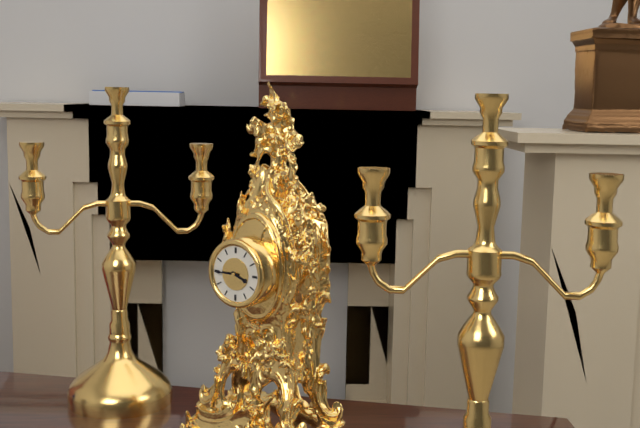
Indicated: 3:45
